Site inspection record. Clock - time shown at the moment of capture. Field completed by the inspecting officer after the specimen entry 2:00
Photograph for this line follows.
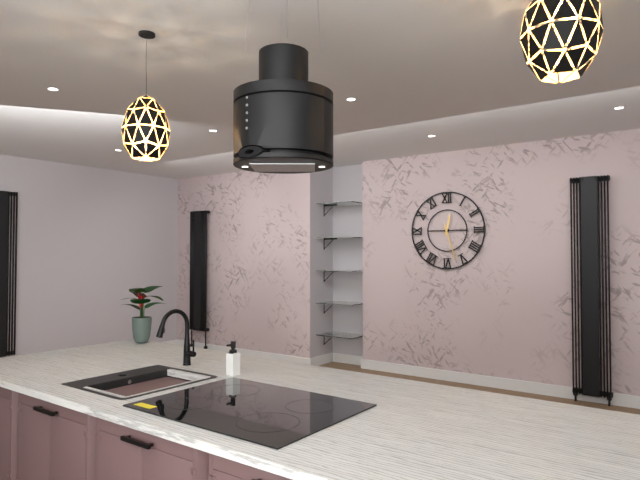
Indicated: 12:27
